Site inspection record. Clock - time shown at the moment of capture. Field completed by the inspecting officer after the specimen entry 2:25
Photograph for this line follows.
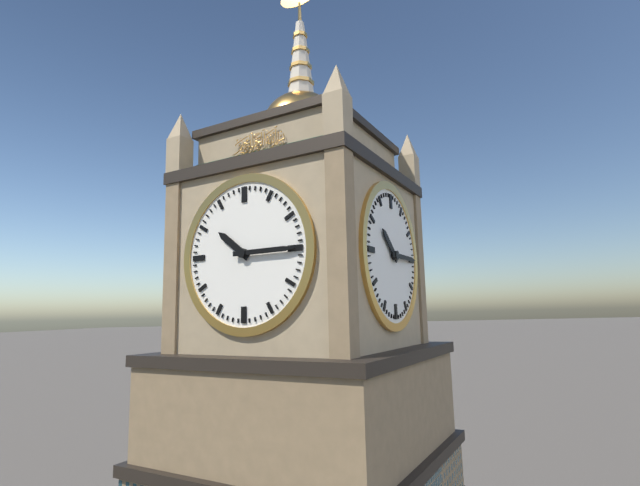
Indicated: 10:15
